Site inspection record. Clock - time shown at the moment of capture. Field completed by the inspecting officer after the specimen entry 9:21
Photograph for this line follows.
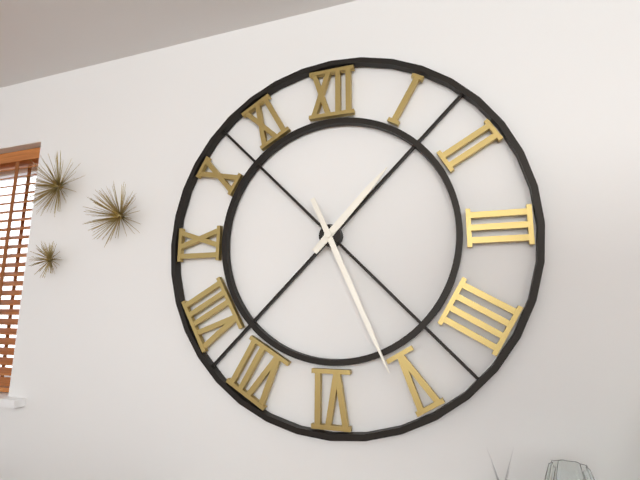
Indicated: 1:26
